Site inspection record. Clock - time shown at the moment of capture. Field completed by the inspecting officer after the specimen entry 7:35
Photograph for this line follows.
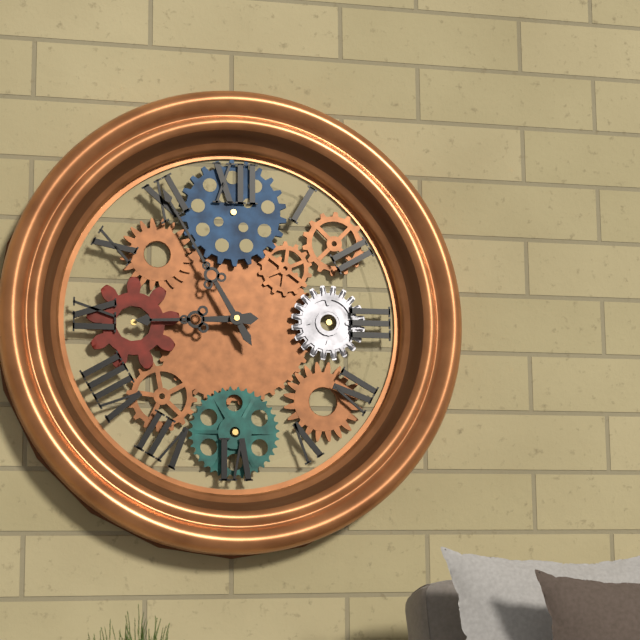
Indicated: 8:55
